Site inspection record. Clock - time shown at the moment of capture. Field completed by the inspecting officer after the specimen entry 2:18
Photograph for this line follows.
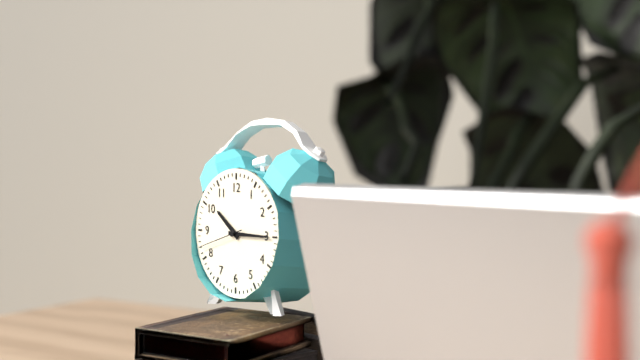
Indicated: 10:15
